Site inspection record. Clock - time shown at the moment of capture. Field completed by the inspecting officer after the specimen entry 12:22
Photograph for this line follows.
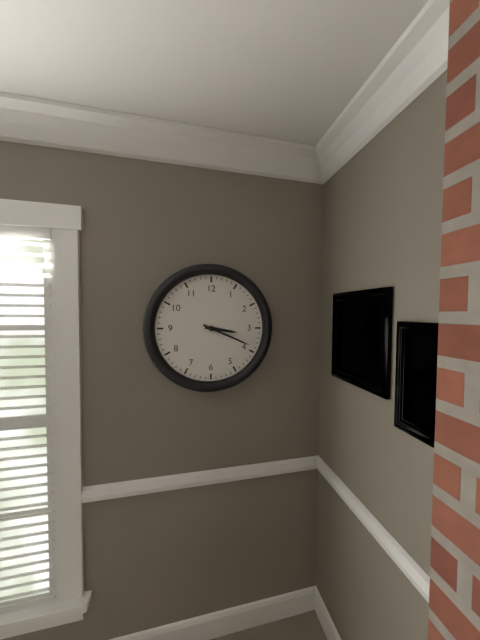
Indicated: 3:19
